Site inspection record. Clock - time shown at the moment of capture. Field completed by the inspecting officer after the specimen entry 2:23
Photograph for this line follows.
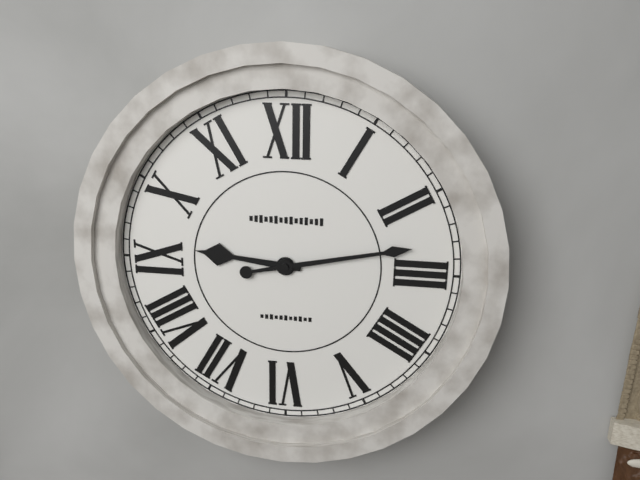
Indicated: 9:13
